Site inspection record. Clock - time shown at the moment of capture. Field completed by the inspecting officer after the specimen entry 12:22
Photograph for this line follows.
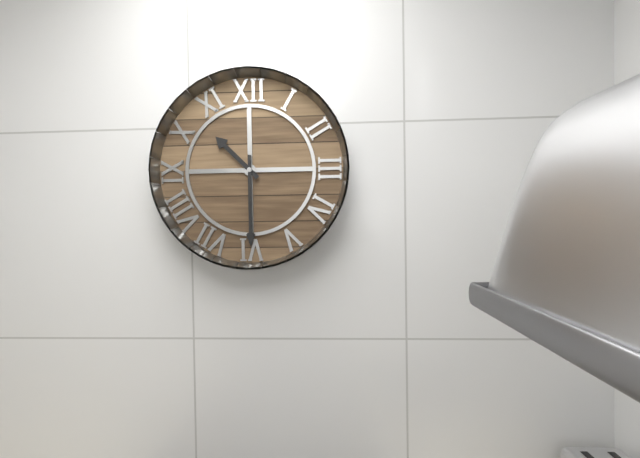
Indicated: 10:30
